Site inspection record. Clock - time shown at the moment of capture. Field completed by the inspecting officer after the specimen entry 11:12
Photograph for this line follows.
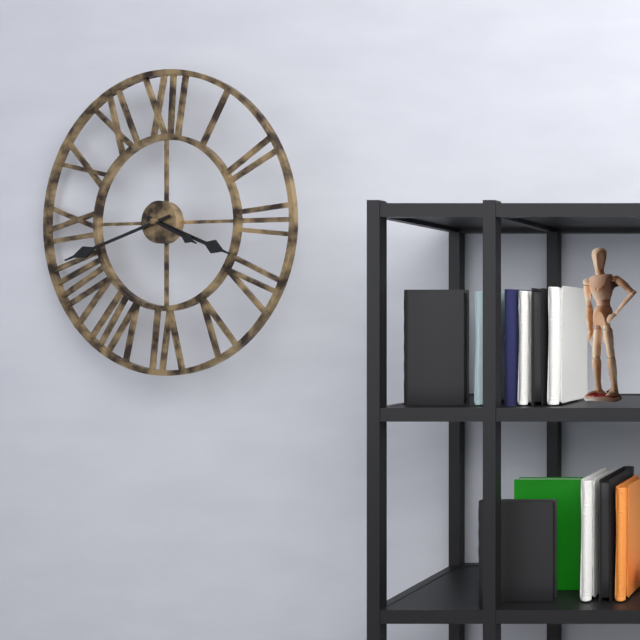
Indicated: 3:42
